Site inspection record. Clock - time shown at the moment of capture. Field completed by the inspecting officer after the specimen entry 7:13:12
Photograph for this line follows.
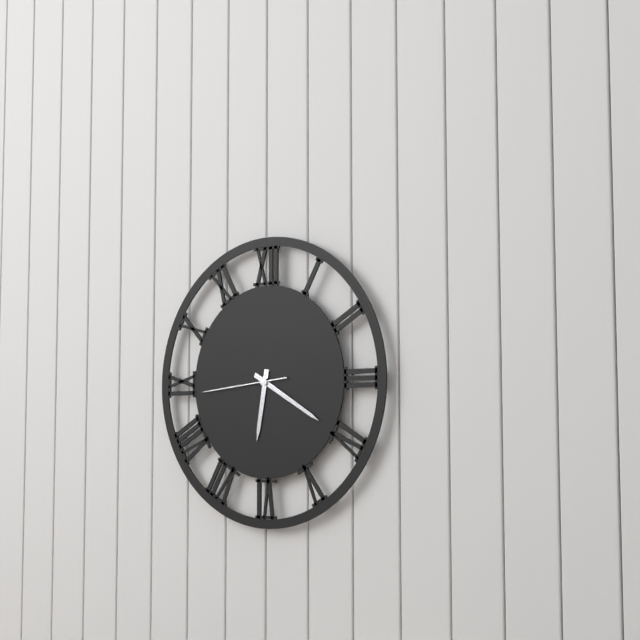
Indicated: 6:20:44
